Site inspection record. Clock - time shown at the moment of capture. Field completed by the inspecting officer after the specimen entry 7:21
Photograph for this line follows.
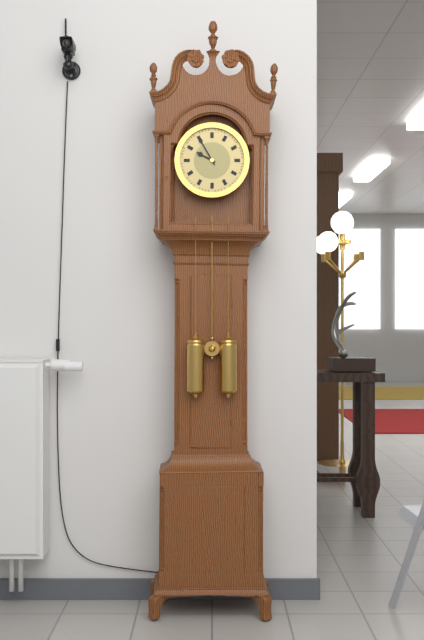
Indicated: 9:55
